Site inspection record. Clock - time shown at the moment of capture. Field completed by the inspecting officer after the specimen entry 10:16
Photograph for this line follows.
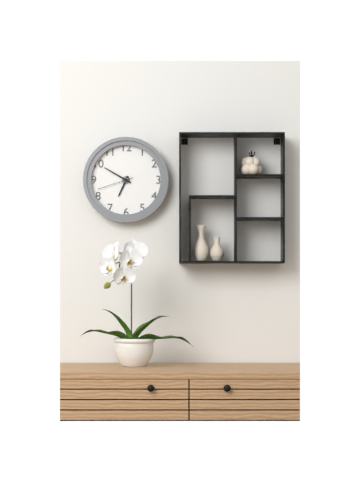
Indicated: 6:50
